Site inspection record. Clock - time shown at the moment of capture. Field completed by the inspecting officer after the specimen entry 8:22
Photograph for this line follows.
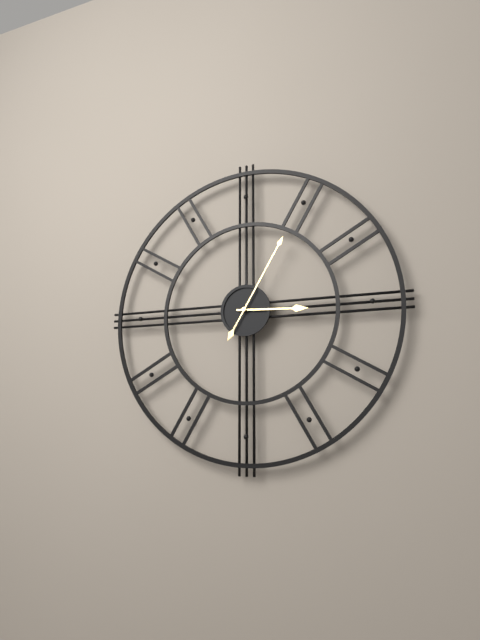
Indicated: 3:05
